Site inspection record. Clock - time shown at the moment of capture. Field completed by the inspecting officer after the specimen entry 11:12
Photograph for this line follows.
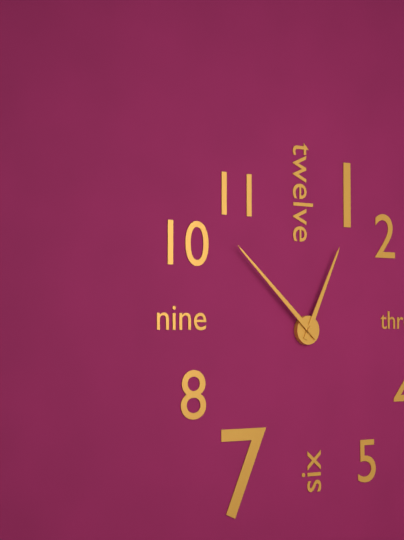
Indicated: 12:52
